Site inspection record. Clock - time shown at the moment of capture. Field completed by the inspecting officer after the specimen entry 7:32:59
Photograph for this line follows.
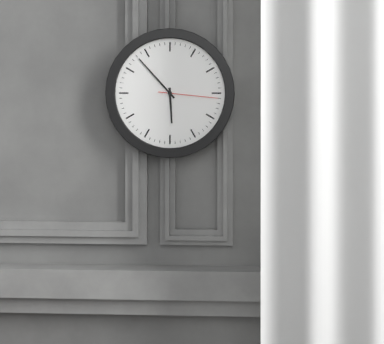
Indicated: 5:53:16
